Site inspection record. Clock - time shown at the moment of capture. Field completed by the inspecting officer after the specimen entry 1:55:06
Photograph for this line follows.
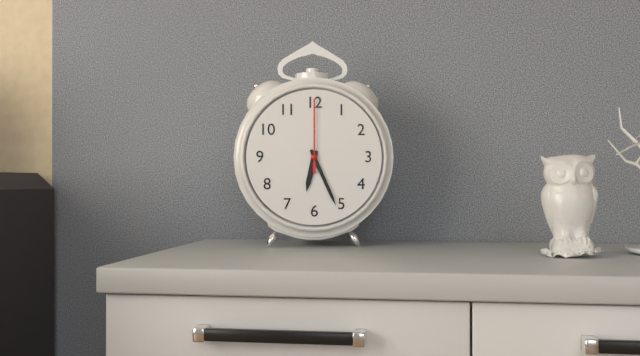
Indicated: 6:26:00
